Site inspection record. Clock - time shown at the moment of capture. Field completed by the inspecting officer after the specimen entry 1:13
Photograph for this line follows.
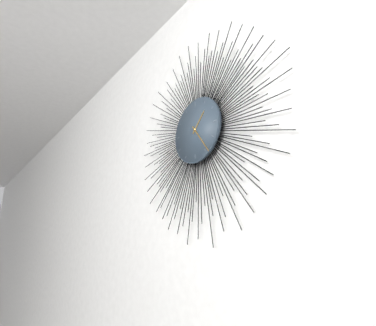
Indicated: 1:24
